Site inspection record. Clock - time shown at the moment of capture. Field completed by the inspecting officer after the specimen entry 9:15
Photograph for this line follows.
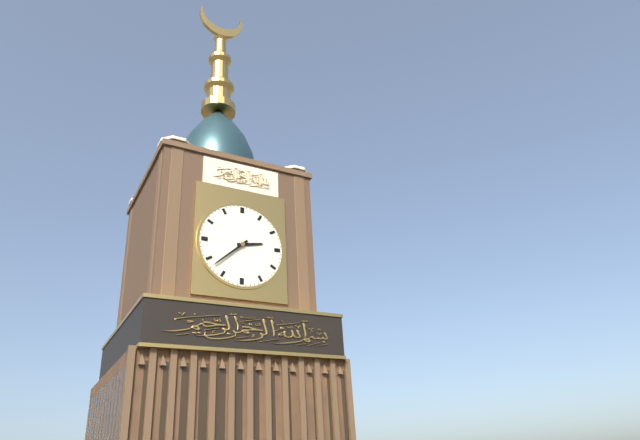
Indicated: 2:38
